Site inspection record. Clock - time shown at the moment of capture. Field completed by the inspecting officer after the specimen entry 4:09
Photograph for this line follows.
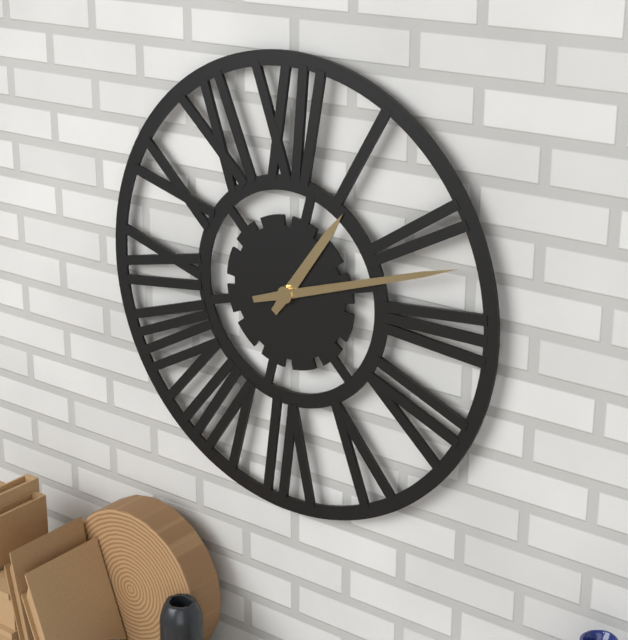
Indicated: 1:12
